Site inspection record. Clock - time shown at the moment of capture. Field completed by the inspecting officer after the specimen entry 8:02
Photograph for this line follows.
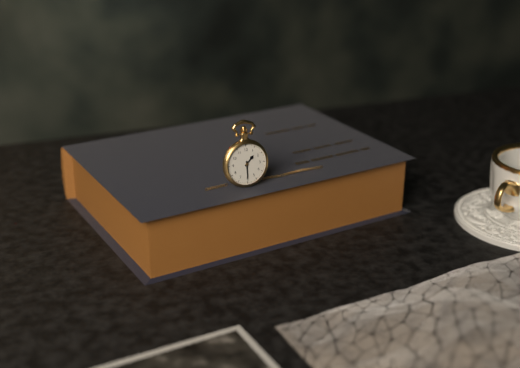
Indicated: 1:30
